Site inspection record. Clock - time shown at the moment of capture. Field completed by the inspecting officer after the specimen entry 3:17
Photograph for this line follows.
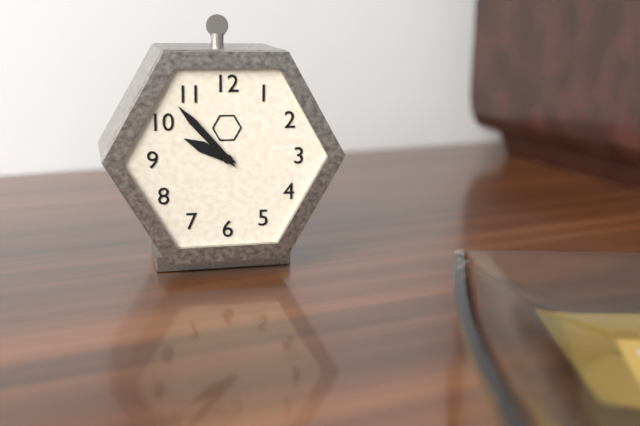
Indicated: 9:53
